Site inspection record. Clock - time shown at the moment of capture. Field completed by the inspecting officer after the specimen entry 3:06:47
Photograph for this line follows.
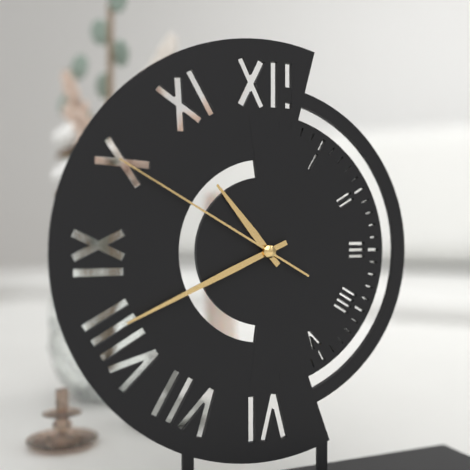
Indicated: 10:41:50
